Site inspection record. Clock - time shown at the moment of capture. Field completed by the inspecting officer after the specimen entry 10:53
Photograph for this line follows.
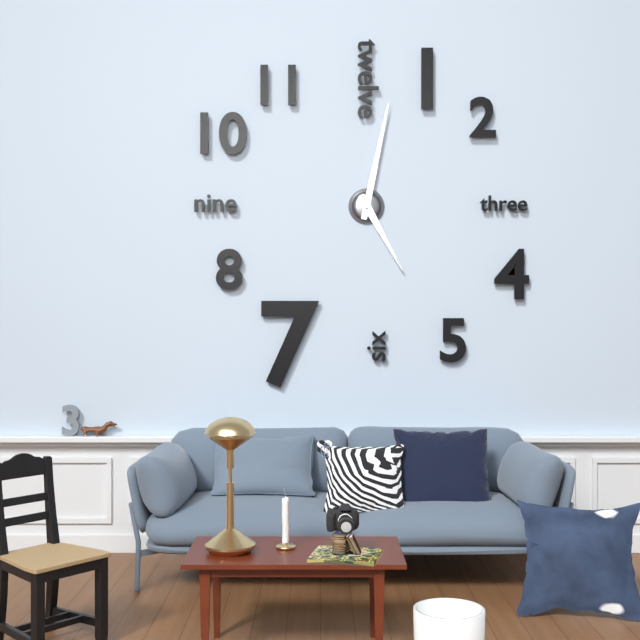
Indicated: 5:02
